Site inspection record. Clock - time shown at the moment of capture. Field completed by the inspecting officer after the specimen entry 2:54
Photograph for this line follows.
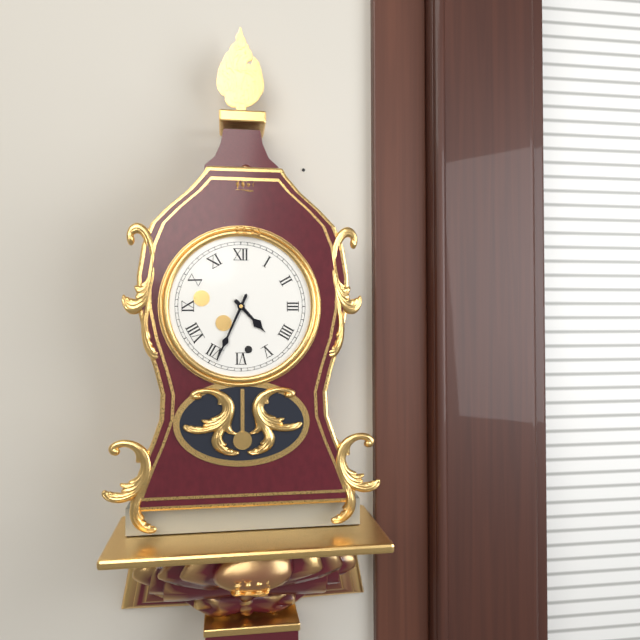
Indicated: 4:34
